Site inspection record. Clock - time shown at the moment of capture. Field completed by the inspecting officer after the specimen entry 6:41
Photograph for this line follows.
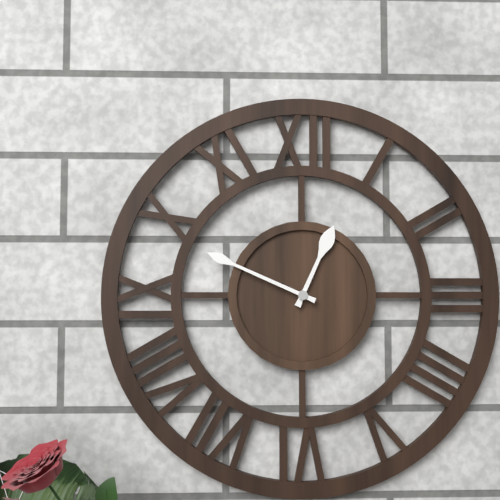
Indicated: 12:49
